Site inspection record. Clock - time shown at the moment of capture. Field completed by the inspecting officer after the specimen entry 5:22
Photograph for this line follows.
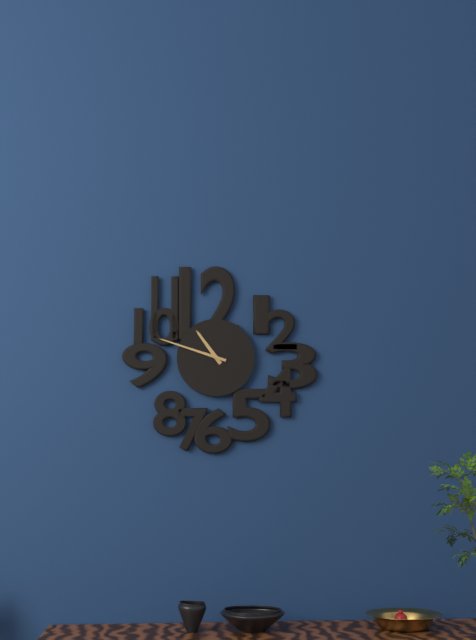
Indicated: 10:48
